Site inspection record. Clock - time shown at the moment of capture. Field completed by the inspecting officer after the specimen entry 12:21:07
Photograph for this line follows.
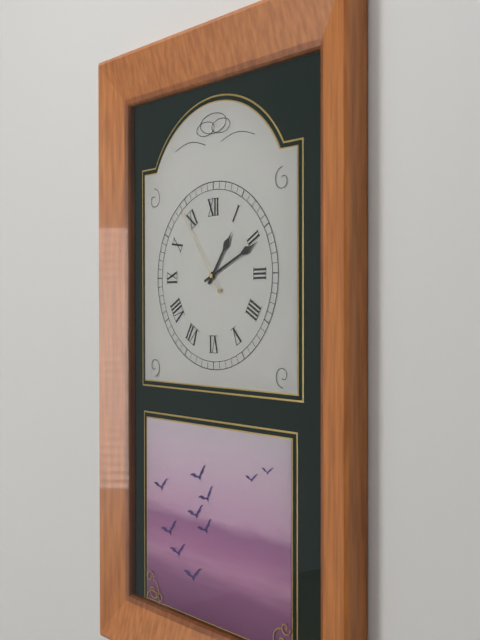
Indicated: 1:11:54
